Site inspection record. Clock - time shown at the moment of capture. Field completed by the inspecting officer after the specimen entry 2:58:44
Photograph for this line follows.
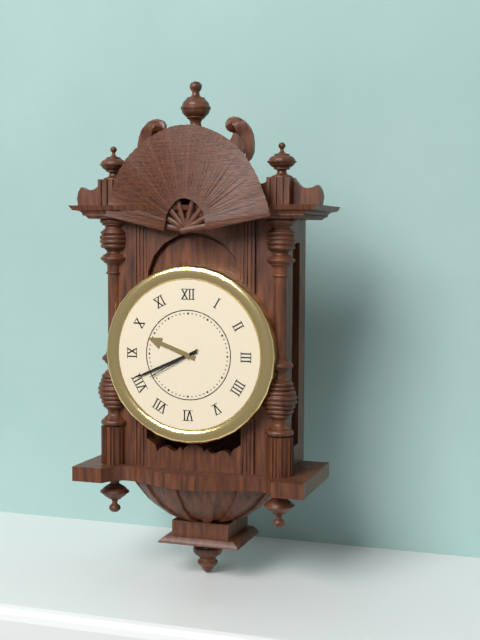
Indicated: 9:41:40
